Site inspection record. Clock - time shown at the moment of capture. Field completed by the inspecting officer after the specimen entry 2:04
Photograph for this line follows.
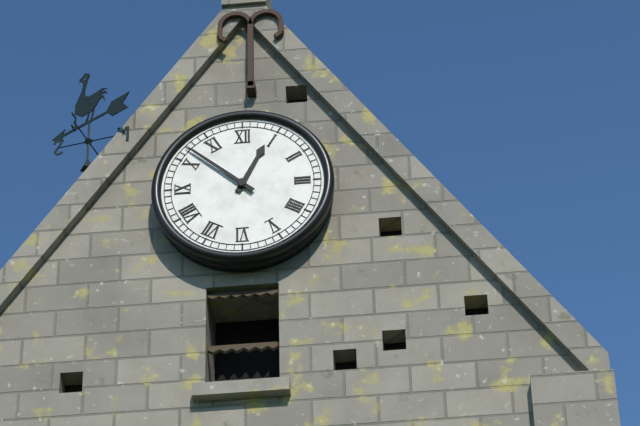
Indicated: 12:52
